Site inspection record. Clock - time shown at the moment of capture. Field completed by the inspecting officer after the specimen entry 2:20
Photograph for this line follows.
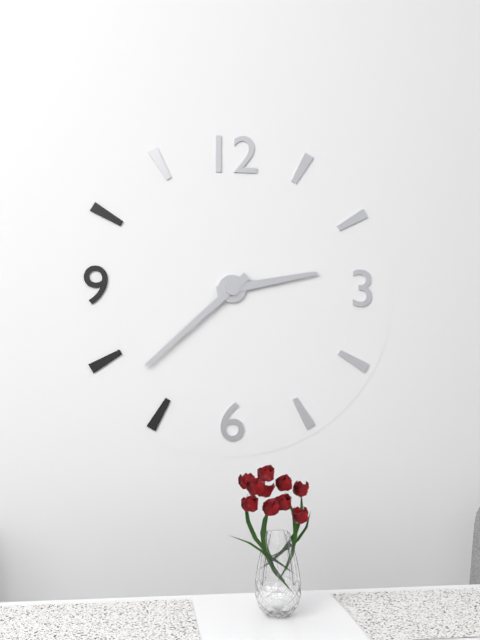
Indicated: 2:38
